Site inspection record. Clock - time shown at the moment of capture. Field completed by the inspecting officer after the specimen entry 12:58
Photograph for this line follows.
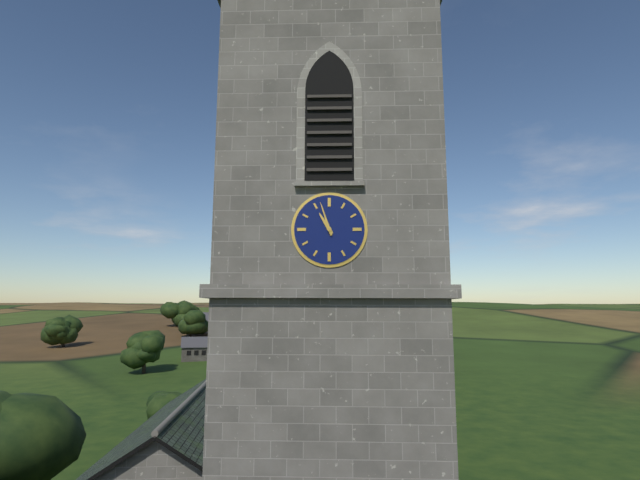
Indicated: 10:57
